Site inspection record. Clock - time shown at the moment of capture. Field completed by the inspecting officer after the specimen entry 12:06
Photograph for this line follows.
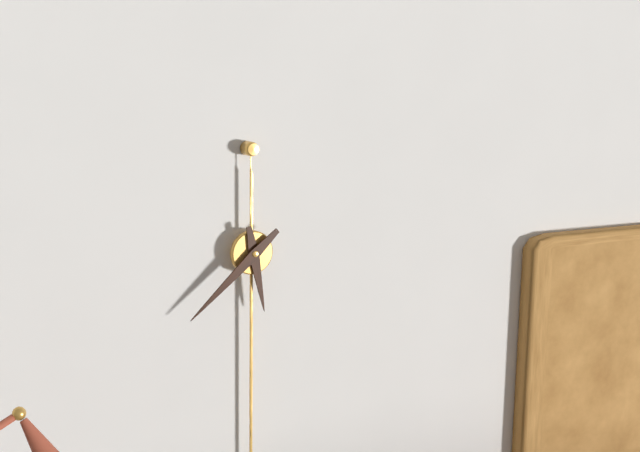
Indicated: 5:38
